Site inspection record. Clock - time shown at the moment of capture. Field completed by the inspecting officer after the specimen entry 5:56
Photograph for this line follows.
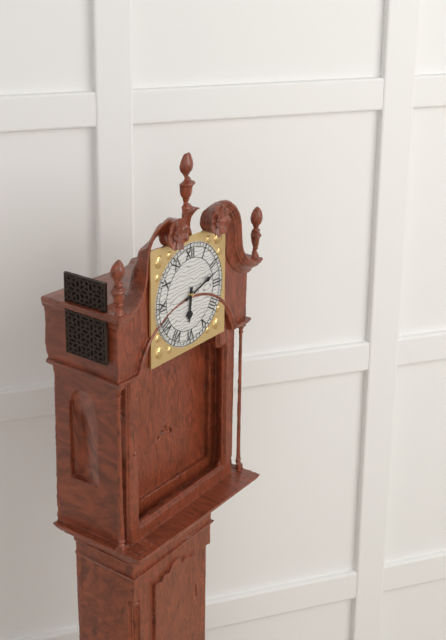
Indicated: 6:12
